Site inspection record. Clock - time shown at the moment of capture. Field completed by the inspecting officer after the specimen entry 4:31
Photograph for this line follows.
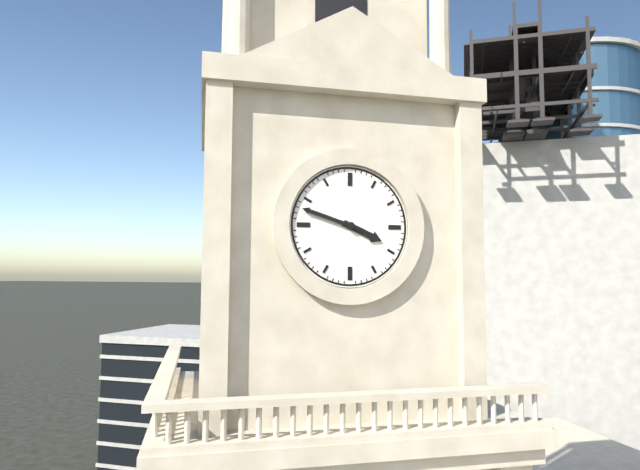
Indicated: 3:48
